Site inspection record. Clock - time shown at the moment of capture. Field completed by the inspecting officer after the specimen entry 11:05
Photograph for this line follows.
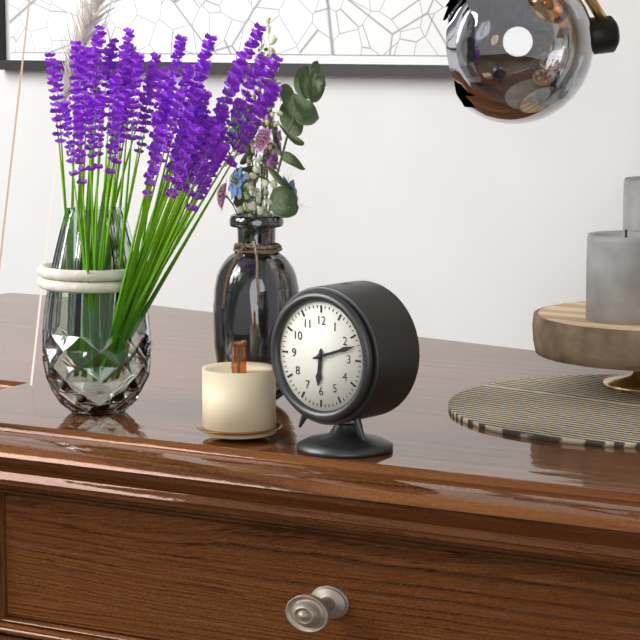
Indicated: 6:12
